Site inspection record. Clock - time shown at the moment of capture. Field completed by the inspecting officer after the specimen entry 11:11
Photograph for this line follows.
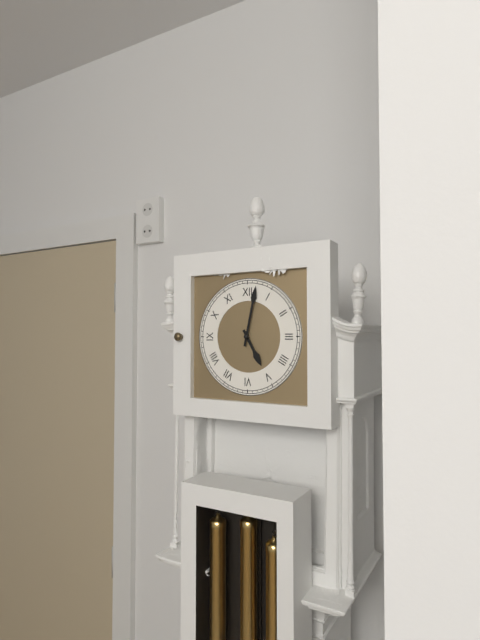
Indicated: 5:02
